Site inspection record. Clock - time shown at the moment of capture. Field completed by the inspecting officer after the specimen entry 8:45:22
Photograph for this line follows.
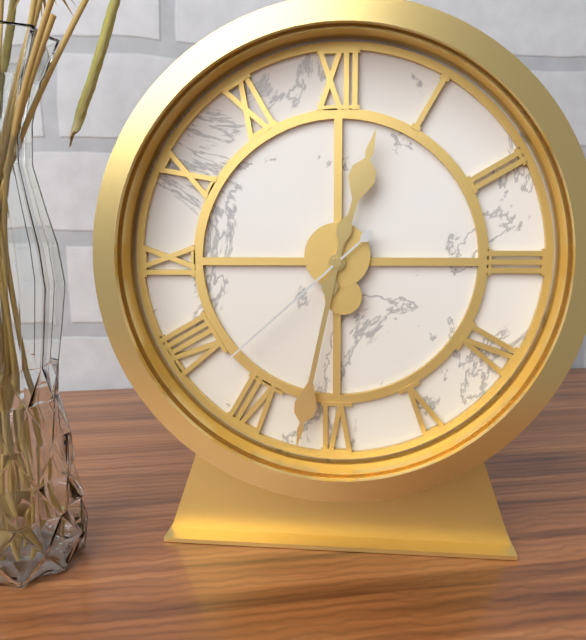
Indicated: 12:32:38
